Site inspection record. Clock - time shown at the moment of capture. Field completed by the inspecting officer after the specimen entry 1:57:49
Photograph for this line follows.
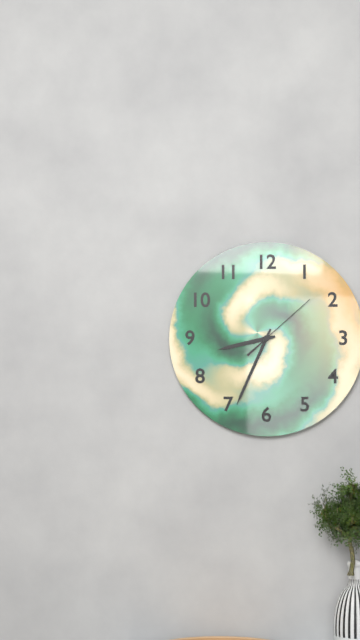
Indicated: 8:34:08
